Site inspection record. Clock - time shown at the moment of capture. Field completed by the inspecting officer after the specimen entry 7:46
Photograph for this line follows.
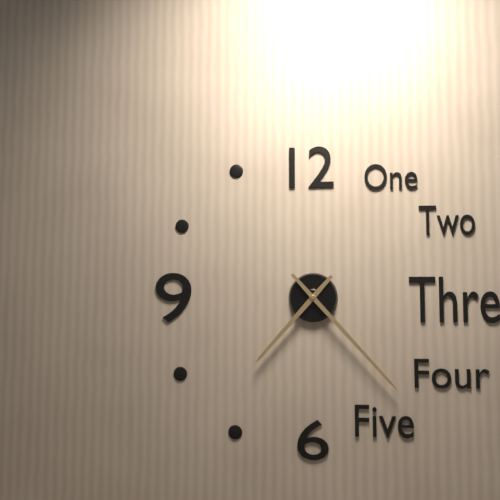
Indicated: 7:23
